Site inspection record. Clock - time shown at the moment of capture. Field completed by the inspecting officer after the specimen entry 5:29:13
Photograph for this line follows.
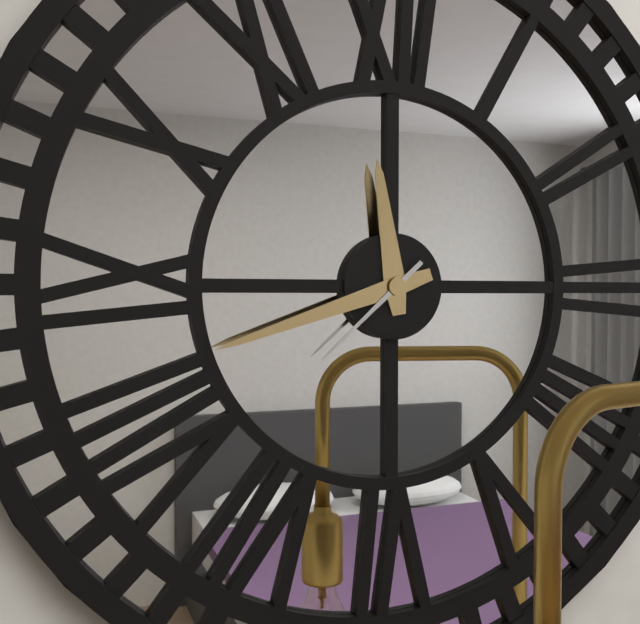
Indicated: 11:42:38
